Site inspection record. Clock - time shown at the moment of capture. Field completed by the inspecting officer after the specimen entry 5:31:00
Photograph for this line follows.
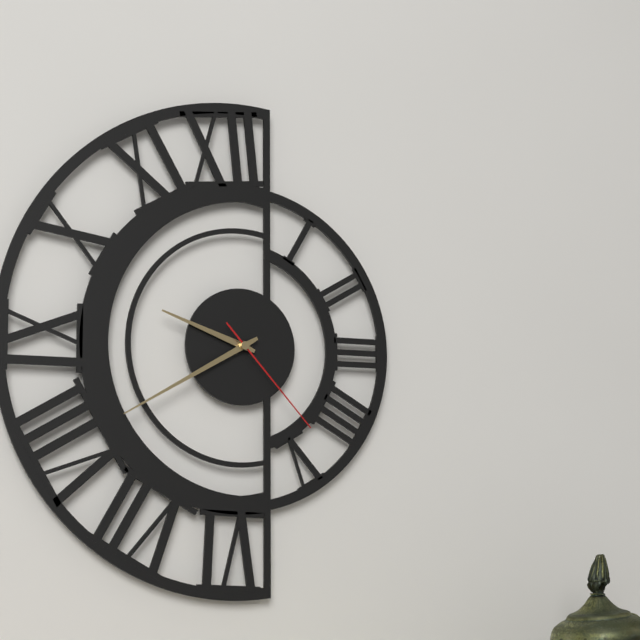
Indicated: 9:40:23
